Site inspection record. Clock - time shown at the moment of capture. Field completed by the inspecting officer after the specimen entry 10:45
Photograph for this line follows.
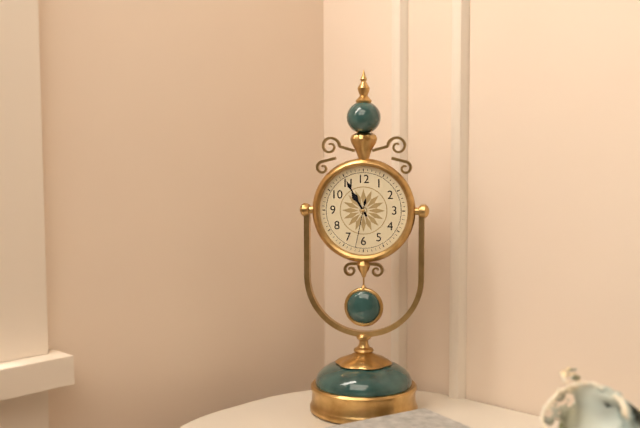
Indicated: 10:55
